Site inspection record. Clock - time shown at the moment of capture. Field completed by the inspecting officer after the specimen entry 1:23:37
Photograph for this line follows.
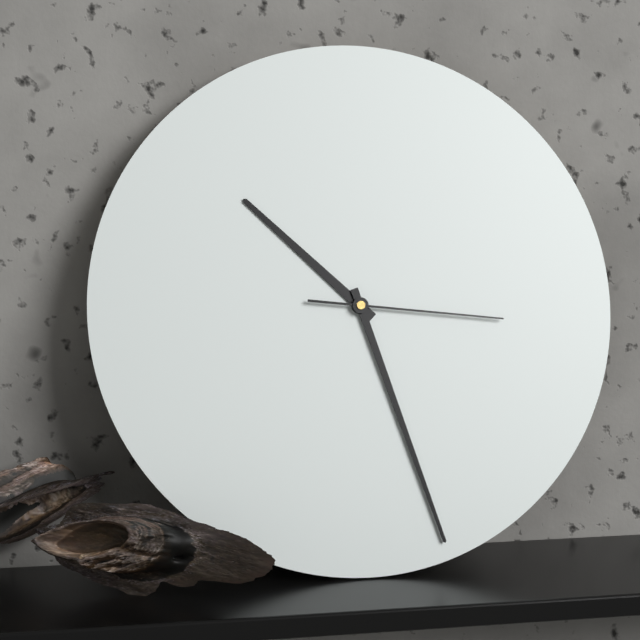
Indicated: 10:27:16
